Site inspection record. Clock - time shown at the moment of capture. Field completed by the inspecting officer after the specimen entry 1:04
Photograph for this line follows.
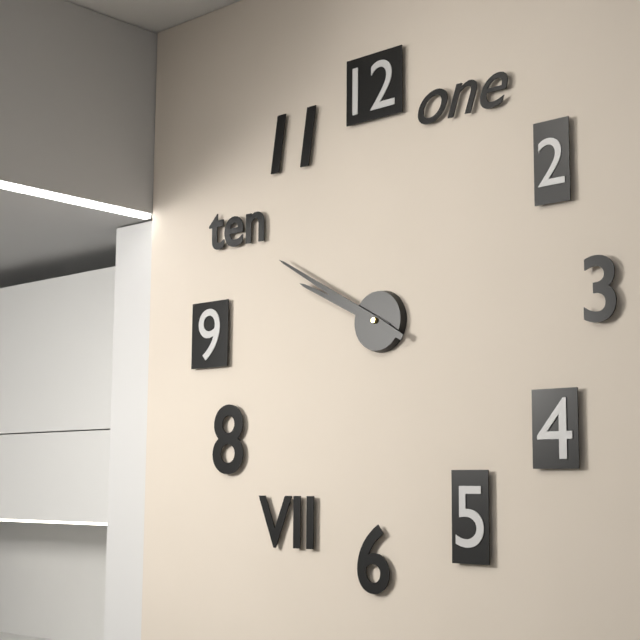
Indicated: 9:50
